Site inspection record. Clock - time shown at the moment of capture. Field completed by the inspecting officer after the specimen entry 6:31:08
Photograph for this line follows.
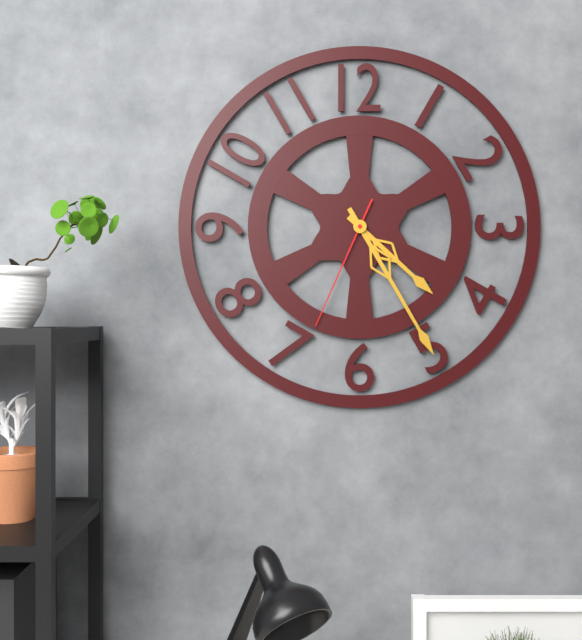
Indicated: 4:25:34
